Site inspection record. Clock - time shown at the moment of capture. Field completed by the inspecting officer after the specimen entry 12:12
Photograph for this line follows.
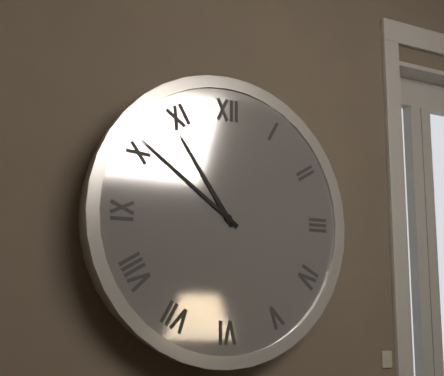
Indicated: 10:51
